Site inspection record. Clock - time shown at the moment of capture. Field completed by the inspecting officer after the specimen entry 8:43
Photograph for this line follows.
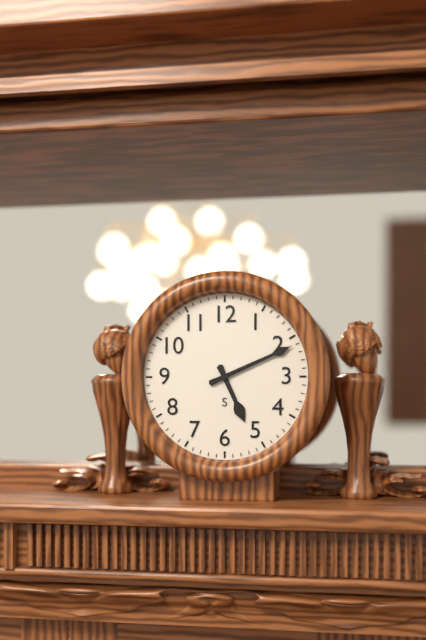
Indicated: 5:11
